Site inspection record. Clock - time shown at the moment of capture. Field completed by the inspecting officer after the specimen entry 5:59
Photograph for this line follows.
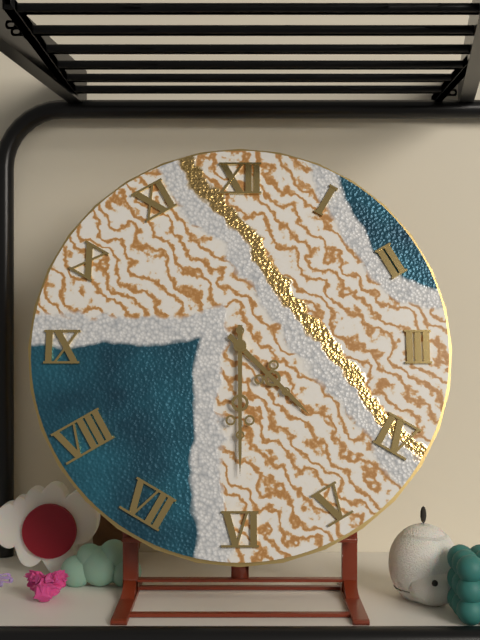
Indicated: 4:30
